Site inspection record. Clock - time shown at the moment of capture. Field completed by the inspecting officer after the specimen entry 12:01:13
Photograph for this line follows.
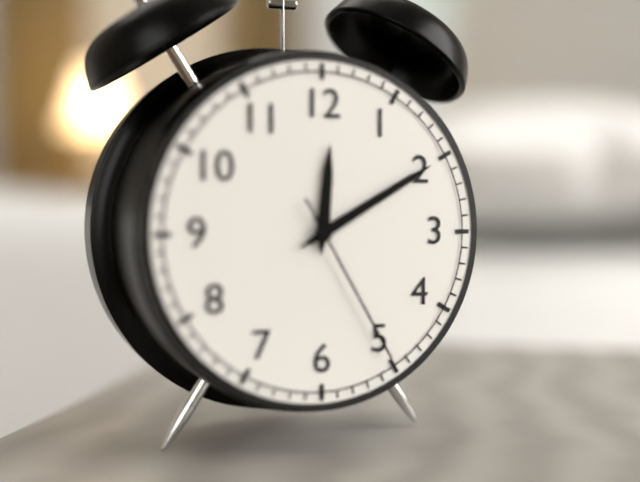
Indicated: 12:10:25
